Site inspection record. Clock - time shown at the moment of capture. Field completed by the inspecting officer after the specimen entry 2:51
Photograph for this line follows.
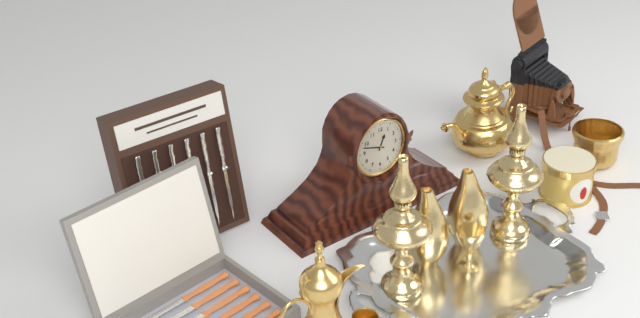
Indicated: 12:48
